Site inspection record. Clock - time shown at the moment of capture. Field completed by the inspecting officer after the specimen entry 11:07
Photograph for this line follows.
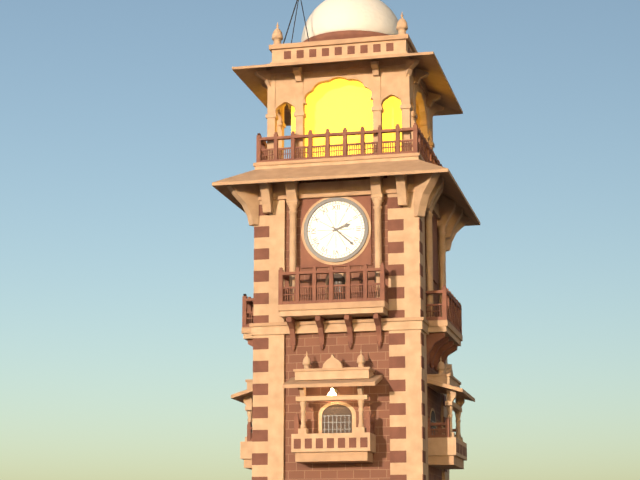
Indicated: 2:22
